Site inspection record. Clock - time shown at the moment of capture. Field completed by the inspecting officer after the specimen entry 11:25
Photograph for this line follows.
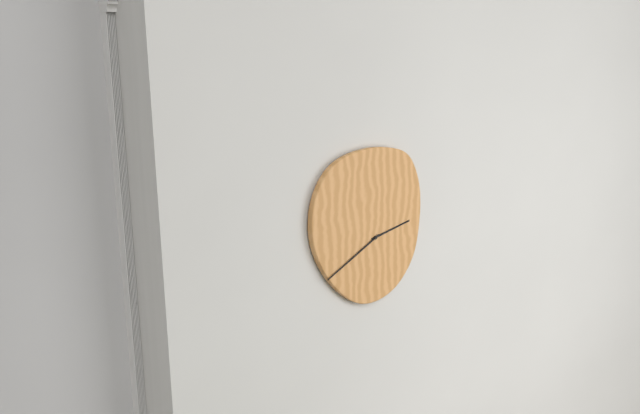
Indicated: 2:41
